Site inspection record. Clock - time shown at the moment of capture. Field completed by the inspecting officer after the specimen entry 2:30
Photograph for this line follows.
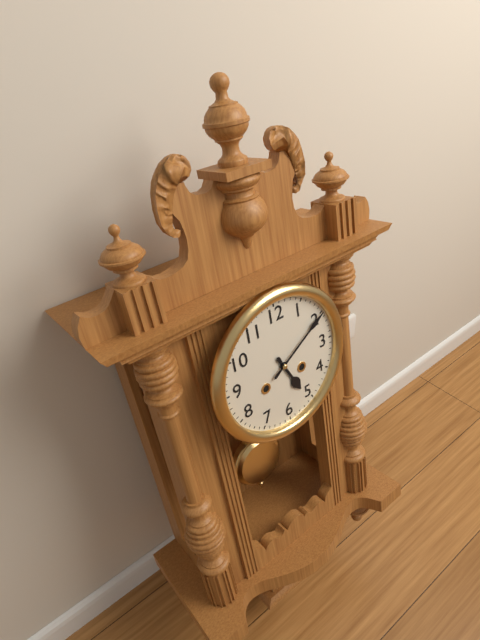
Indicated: 5:10
